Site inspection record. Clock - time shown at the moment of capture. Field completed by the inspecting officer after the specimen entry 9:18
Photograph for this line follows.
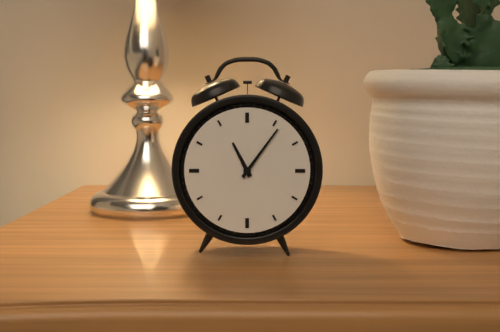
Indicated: 11:06
